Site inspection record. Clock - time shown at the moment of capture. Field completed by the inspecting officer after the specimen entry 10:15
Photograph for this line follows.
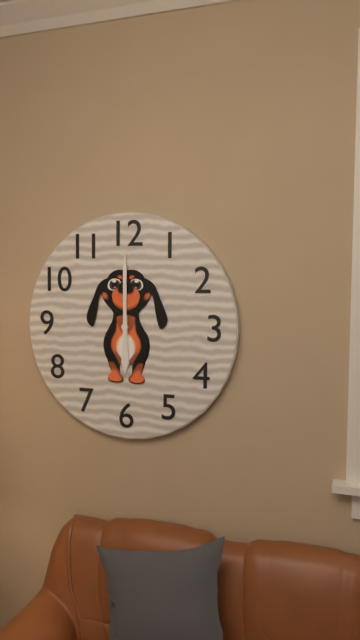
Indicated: 6:00
